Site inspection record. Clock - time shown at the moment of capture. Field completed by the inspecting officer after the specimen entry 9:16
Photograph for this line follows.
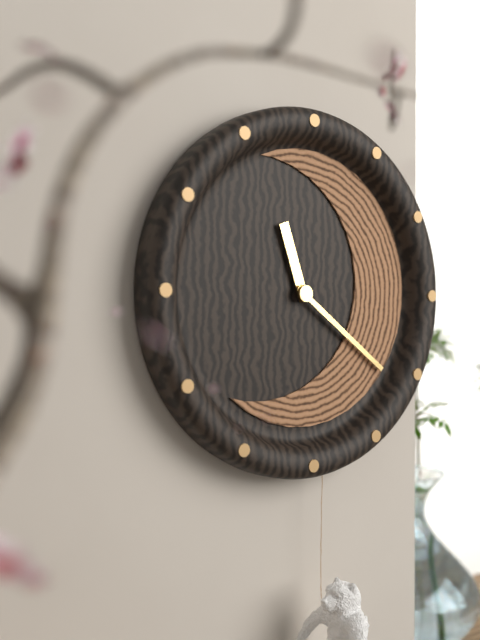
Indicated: 11:21
